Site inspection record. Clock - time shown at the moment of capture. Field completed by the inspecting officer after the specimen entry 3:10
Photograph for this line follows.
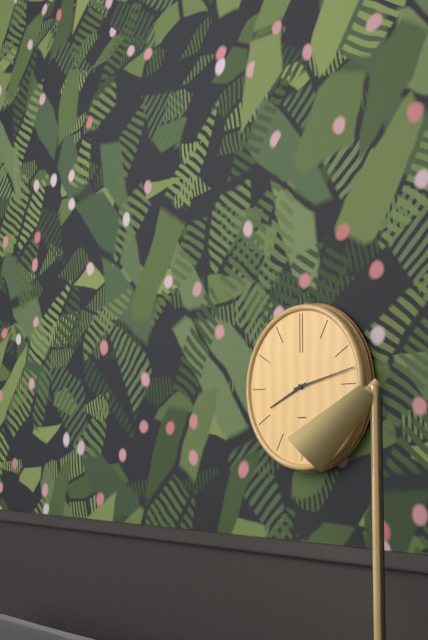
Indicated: 8:13
